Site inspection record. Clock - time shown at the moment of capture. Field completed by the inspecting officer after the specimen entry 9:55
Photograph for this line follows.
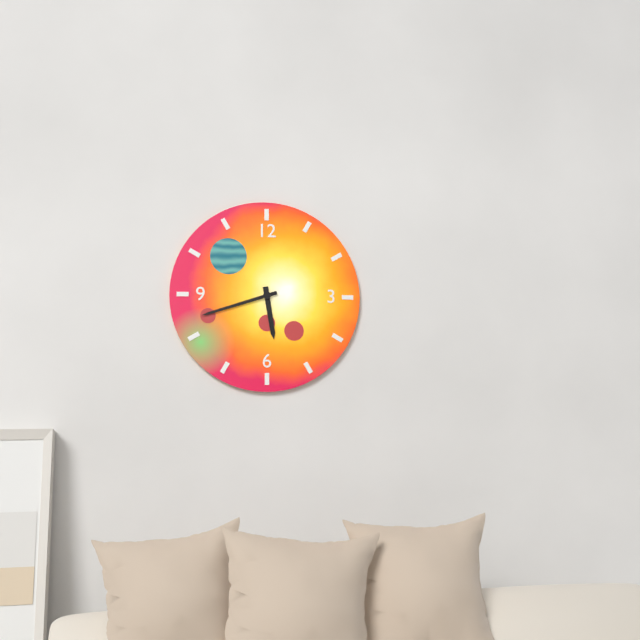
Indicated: 5:42
